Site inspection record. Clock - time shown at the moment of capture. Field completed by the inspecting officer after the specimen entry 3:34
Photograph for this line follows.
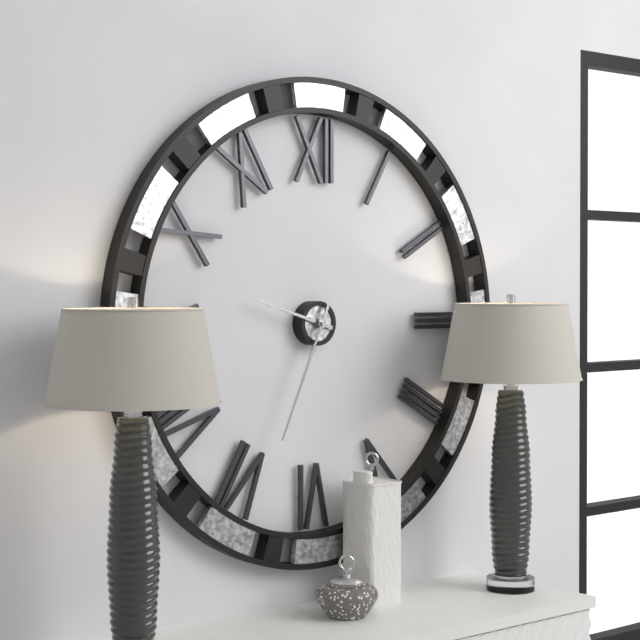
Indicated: 9:34
